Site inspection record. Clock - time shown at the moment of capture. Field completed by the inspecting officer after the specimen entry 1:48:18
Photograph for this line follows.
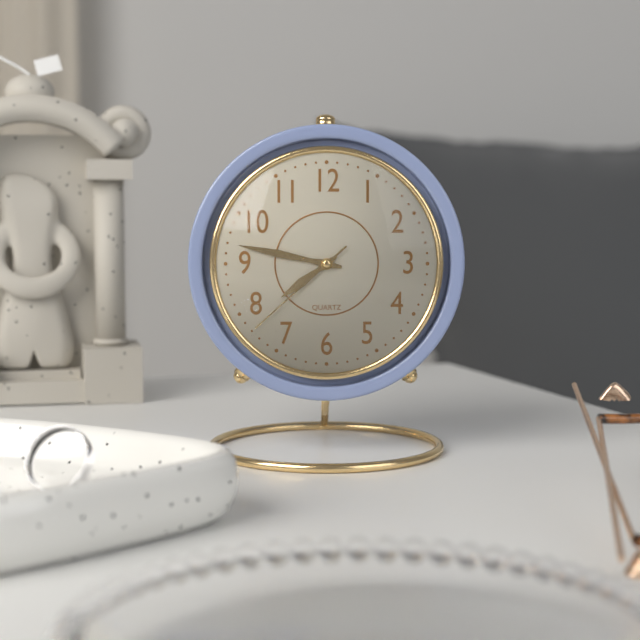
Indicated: 7:47:38
